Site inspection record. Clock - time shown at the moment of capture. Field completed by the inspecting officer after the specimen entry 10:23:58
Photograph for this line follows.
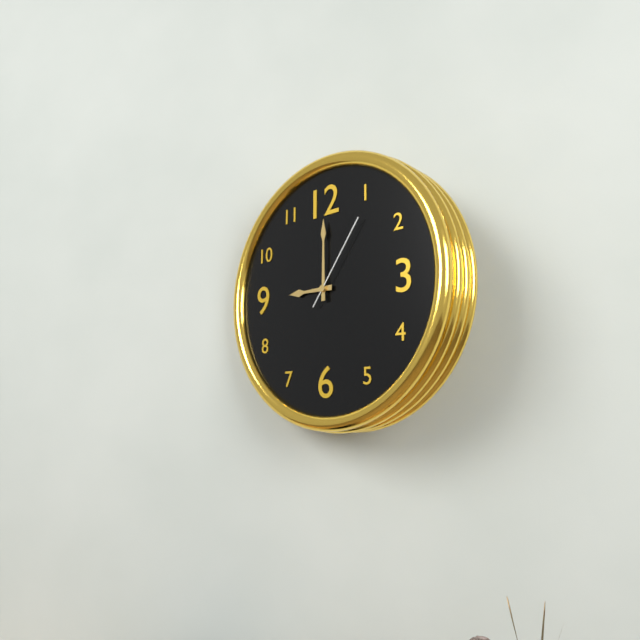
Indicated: 9:00:06
